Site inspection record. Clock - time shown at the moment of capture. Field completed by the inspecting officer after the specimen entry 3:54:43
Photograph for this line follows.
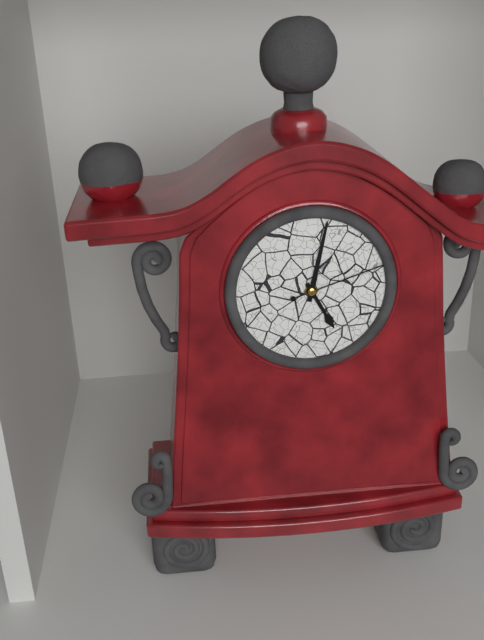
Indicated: 5:02:12
